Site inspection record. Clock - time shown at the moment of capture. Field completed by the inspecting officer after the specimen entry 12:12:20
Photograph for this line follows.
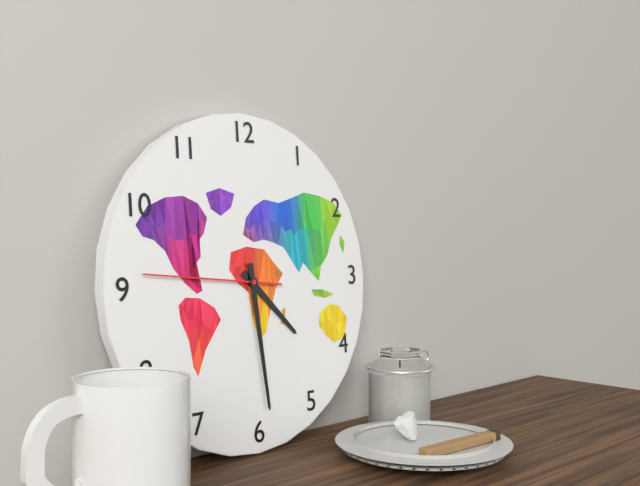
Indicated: 4:29:46
